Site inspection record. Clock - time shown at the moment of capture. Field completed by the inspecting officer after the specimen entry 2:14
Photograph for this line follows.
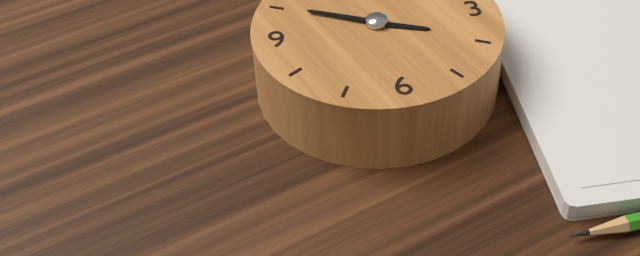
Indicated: 3:50
